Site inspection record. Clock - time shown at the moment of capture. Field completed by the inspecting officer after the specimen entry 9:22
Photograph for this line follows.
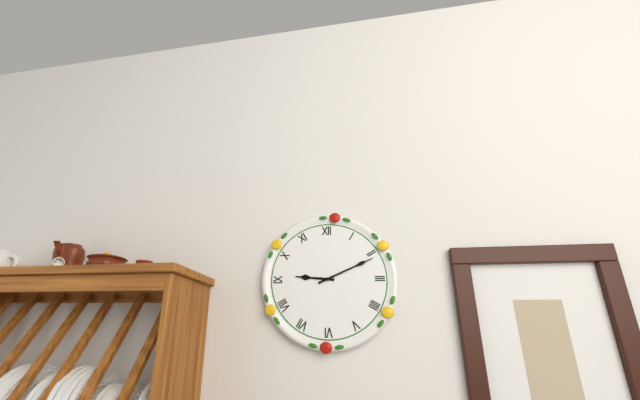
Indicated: 9:11
